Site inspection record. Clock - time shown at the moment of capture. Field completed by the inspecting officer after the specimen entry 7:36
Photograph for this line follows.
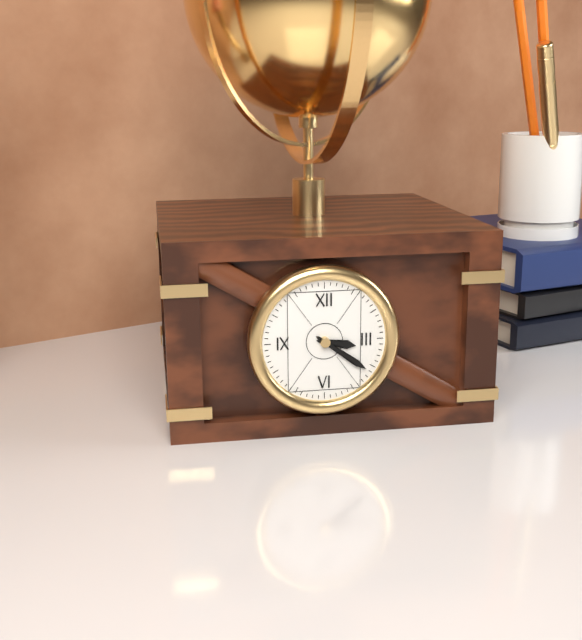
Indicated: 3:21
